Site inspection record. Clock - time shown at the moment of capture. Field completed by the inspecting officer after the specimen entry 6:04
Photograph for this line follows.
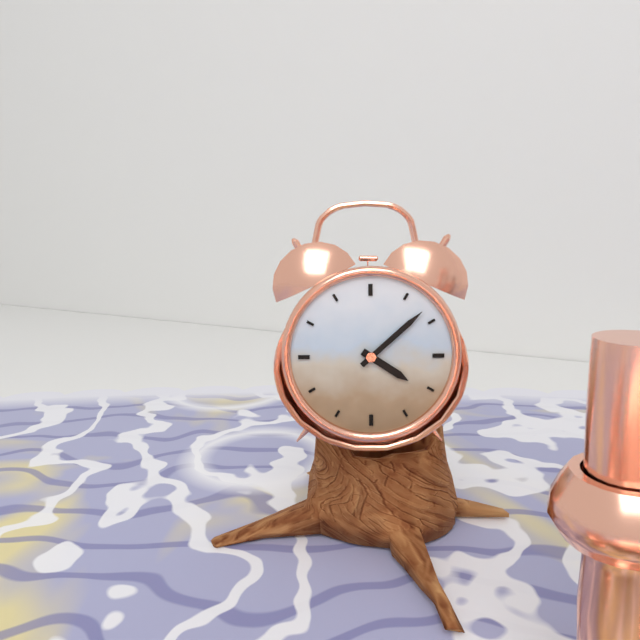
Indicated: 4:08
